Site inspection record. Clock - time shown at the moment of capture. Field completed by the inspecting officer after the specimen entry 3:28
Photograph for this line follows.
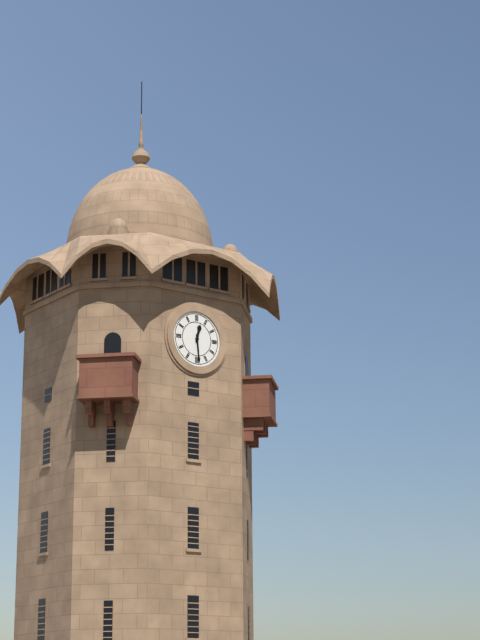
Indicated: 12:29
